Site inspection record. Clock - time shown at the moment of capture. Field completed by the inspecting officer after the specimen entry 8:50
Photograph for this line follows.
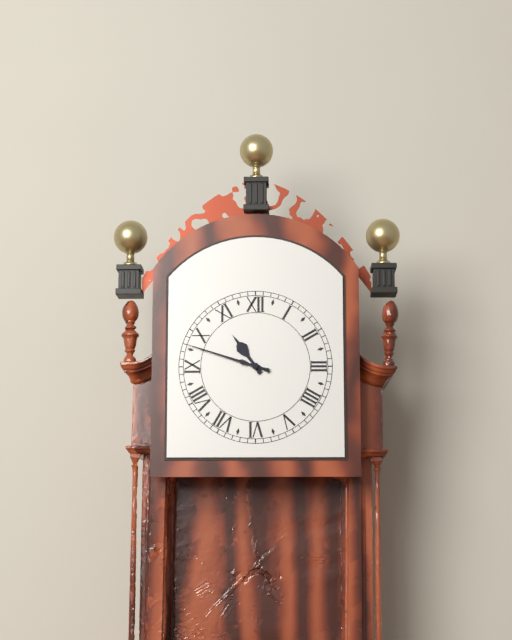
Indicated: 10:48
